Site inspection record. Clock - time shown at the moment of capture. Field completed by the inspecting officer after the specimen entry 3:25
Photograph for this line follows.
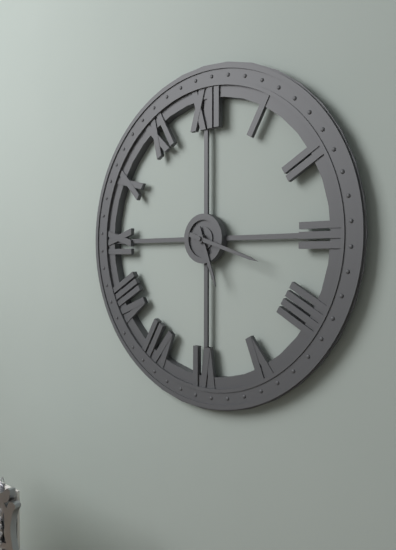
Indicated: 5:18
